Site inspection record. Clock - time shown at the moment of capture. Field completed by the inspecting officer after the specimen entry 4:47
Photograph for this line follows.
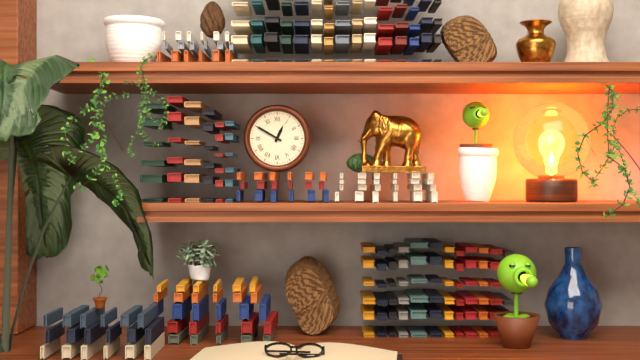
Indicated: 12:50
